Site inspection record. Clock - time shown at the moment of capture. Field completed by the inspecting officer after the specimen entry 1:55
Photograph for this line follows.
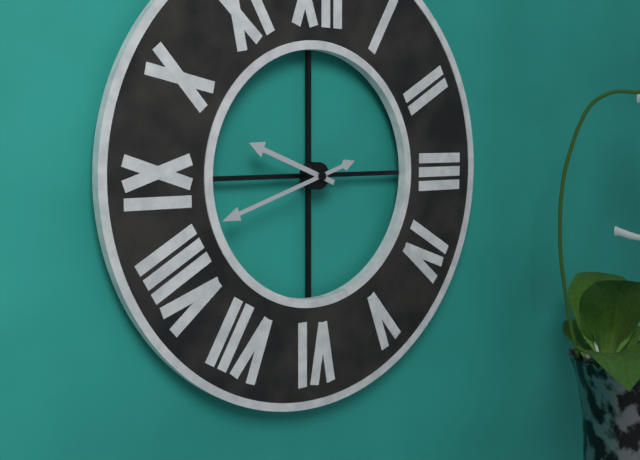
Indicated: 9:42
